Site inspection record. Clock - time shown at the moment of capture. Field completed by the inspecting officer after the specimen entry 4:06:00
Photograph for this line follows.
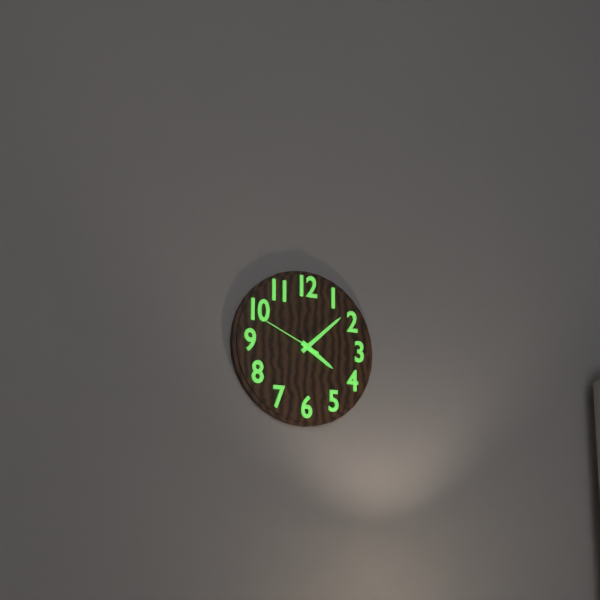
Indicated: 4:08:49
